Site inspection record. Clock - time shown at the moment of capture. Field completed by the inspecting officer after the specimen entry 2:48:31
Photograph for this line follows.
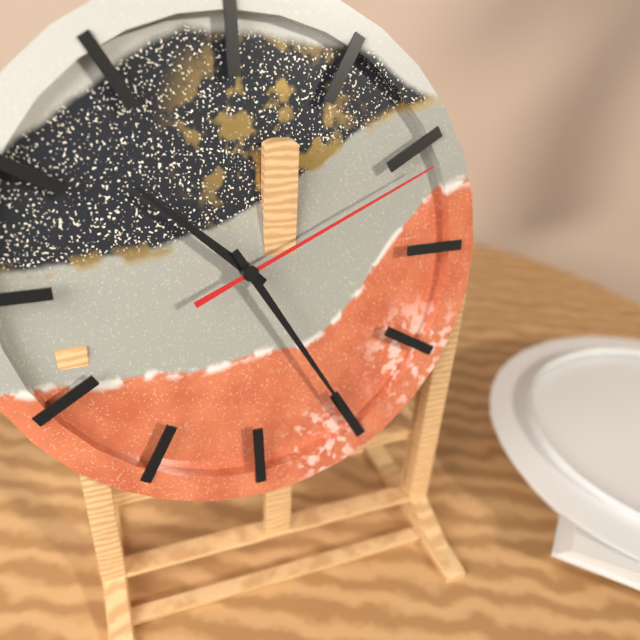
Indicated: 10:25:11
